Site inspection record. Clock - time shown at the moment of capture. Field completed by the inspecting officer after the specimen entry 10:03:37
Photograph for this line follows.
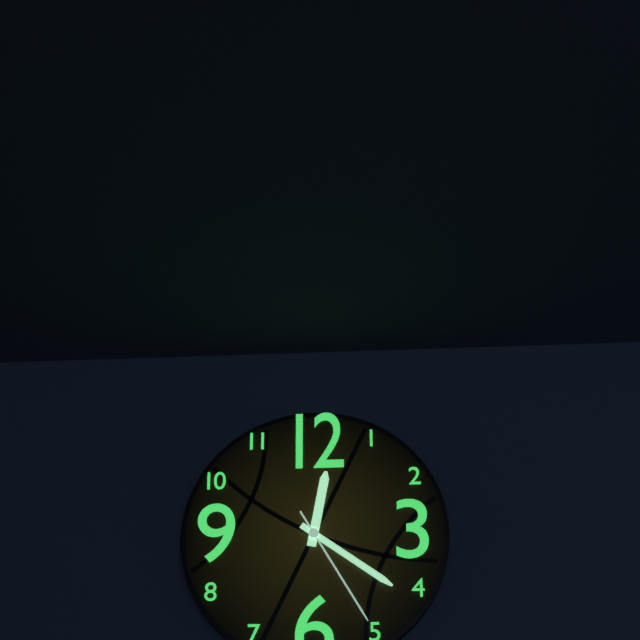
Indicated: 12:21:25
